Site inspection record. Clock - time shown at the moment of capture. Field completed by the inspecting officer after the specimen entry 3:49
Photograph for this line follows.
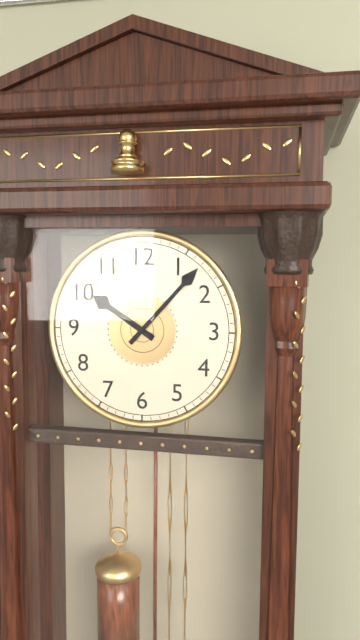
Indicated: 10:07
